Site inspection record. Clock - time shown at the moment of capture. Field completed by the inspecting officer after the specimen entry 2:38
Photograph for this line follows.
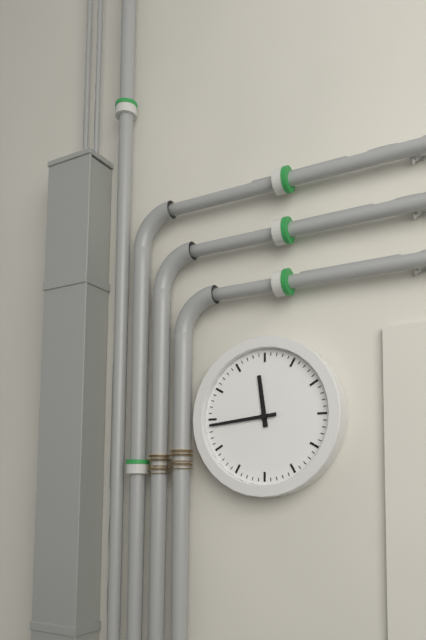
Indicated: 11:44
